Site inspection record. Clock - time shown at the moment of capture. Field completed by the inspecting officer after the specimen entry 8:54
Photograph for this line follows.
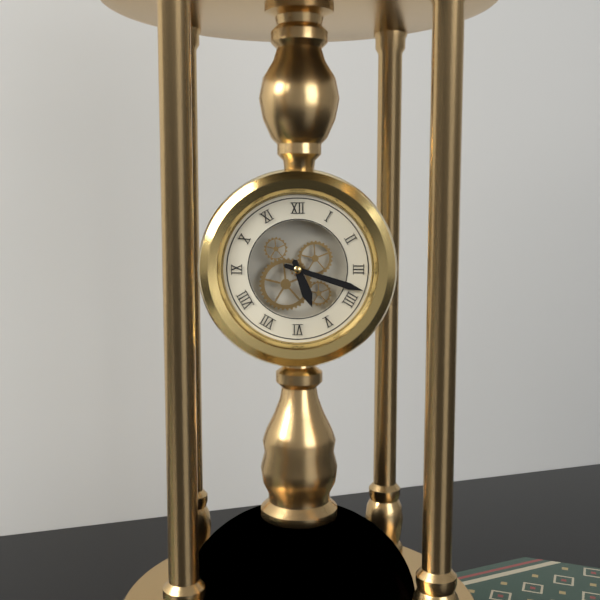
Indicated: 5:18
